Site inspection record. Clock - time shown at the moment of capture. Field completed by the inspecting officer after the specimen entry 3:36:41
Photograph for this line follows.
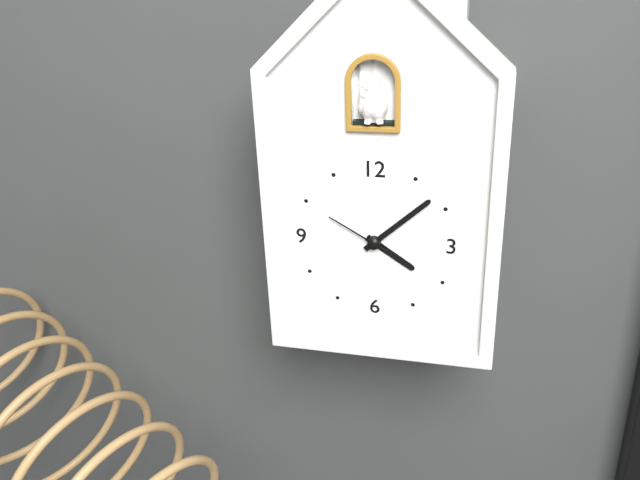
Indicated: 4:08:50
